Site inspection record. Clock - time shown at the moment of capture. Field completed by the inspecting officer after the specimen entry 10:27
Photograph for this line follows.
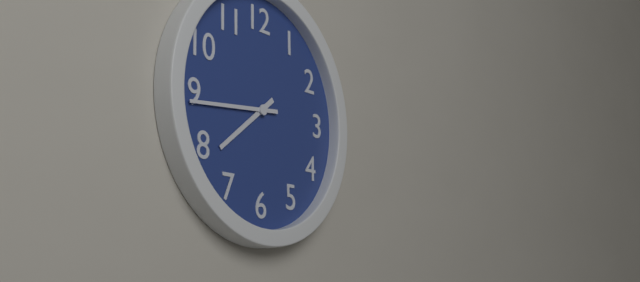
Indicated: 7:44
